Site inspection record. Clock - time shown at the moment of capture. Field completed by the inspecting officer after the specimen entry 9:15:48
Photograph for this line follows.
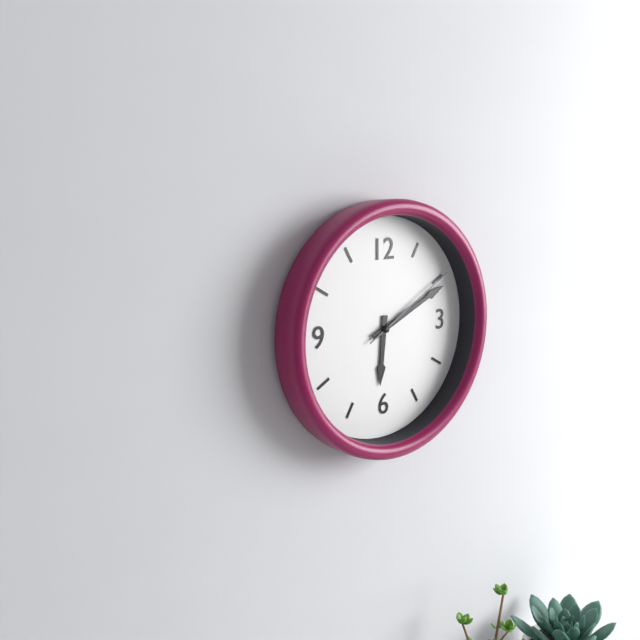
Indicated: 6:11:10
